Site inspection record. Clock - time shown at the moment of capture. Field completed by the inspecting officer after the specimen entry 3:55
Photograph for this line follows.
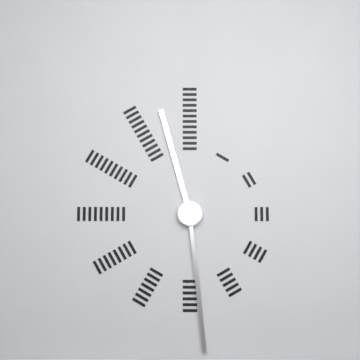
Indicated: 11:29
